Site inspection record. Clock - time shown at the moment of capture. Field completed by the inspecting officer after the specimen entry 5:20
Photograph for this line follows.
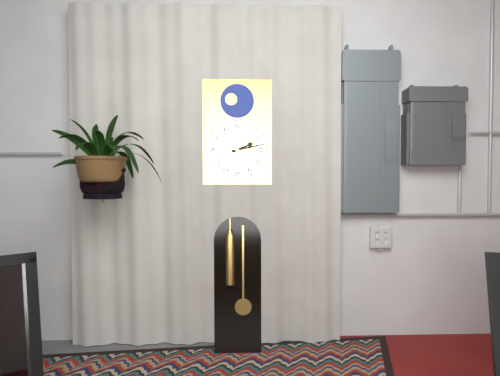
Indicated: 2:13
